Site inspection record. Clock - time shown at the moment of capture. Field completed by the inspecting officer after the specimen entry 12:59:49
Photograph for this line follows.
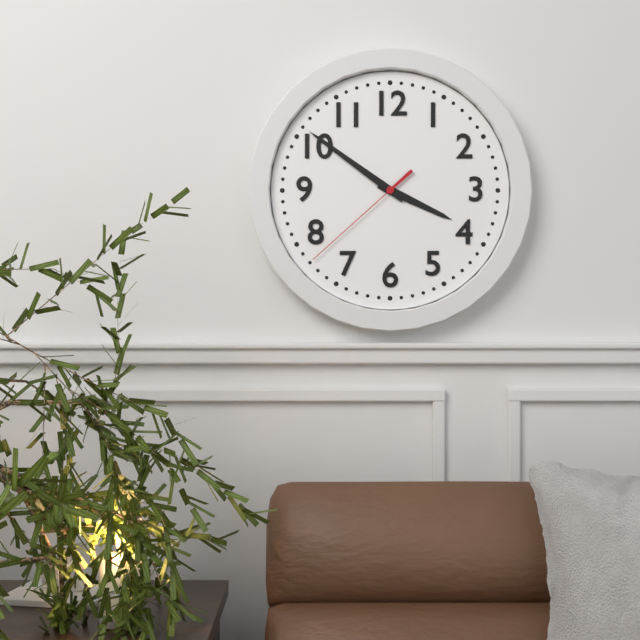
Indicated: 3:51:38
